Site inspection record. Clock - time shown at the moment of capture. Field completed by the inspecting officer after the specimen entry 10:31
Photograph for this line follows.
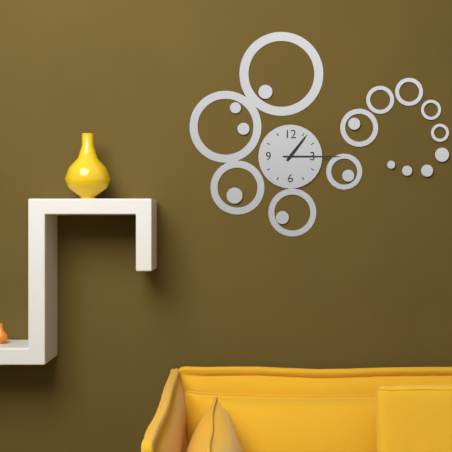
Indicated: 1:15
